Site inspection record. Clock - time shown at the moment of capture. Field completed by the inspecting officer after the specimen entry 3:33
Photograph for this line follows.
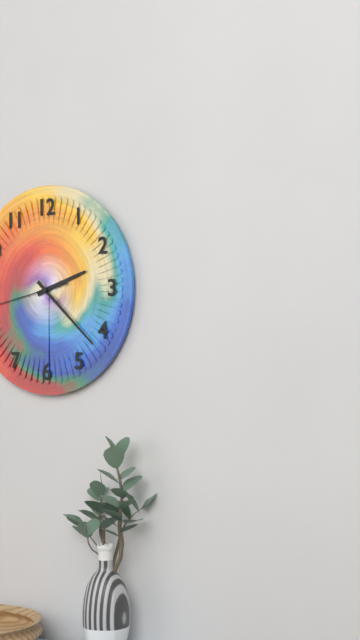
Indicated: 2:22
